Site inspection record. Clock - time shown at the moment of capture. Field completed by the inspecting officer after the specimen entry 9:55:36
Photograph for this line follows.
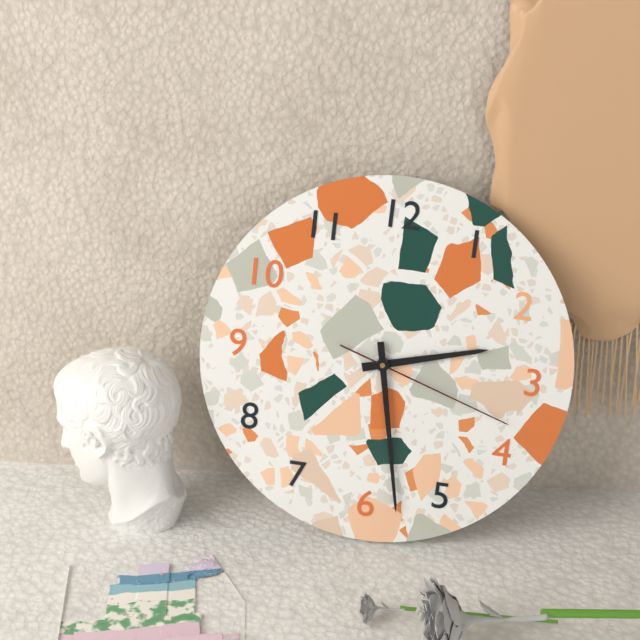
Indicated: 2:28:18
